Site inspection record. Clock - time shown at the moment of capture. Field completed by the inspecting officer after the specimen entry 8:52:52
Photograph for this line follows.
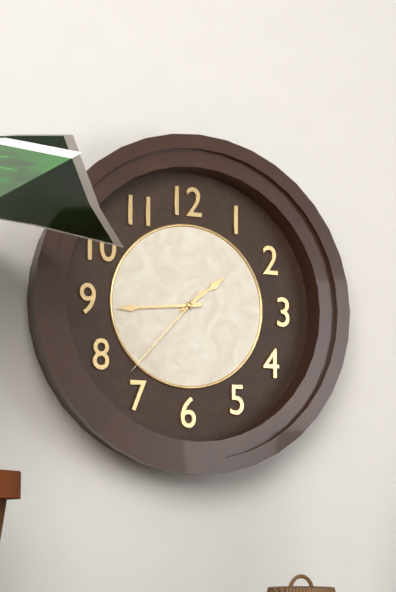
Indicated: 1:44:37
